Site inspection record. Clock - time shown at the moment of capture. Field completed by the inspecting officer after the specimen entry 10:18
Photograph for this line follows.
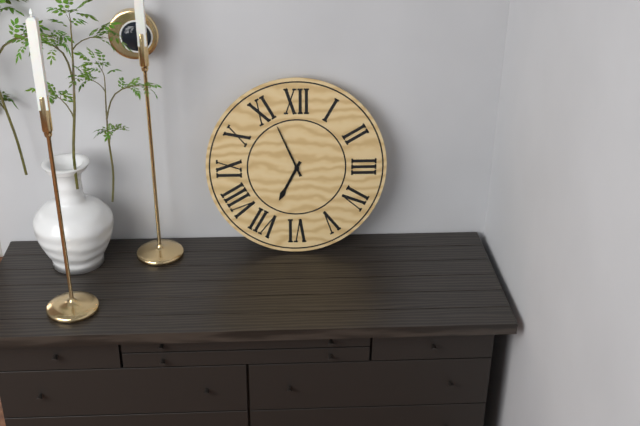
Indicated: 6:56
